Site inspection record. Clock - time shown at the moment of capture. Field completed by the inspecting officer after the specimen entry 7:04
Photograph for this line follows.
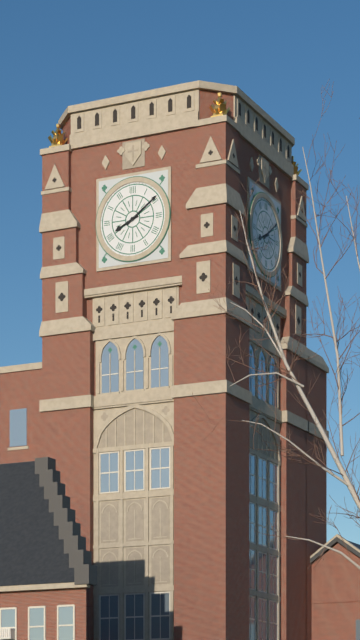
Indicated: 8:09
